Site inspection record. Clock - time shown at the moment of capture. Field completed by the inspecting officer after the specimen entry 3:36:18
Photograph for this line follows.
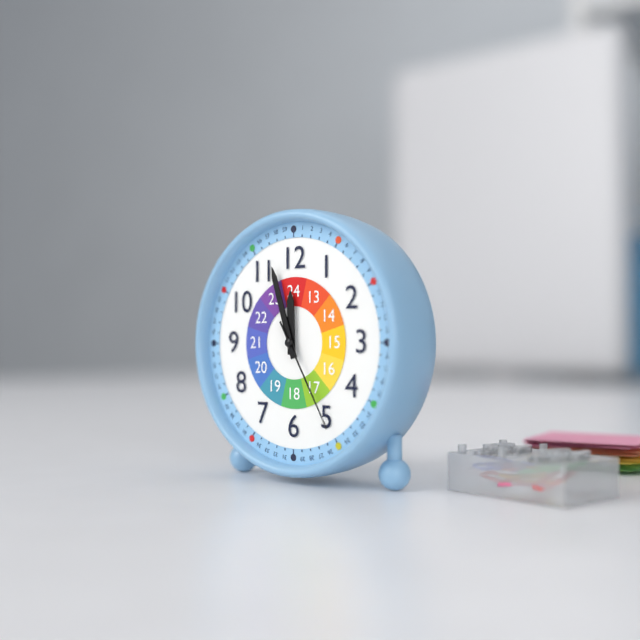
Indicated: 11:57:25
